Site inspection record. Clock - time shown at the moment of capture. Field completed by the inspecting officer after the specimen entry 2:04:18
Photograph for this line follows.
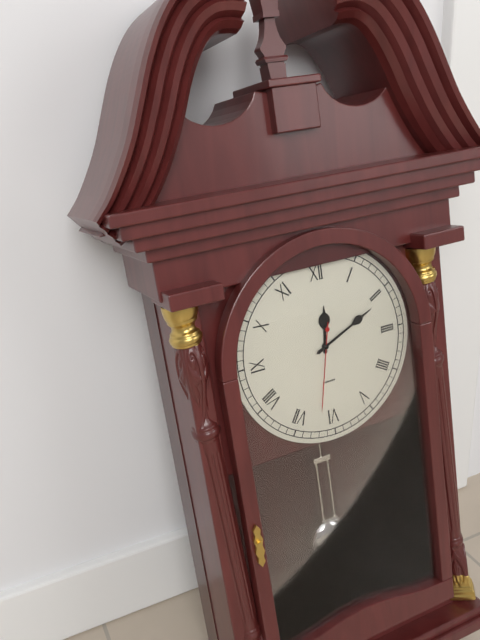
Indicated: 12:11:32
